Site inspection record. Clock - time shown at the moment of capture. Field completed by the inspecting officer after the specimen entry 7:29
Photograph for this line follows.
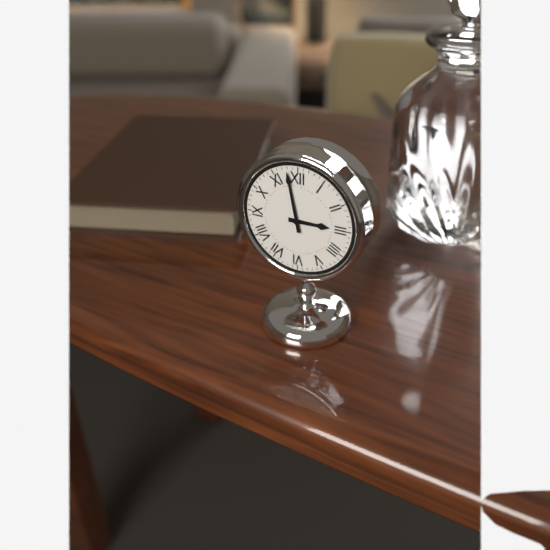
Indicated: 2:58
